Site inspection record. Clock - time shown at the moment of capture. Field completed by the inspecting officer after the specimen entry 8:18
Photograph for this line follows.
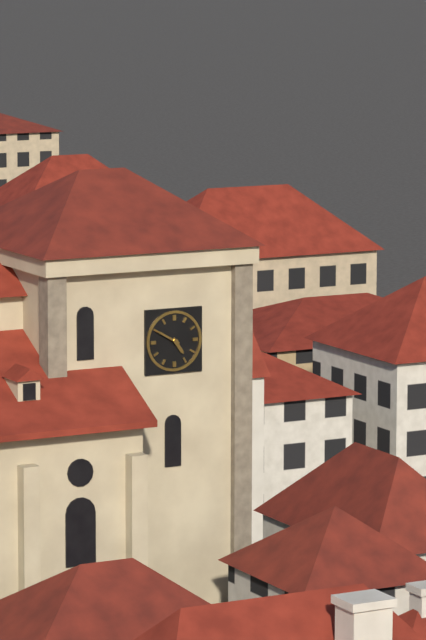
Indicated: 4:50
